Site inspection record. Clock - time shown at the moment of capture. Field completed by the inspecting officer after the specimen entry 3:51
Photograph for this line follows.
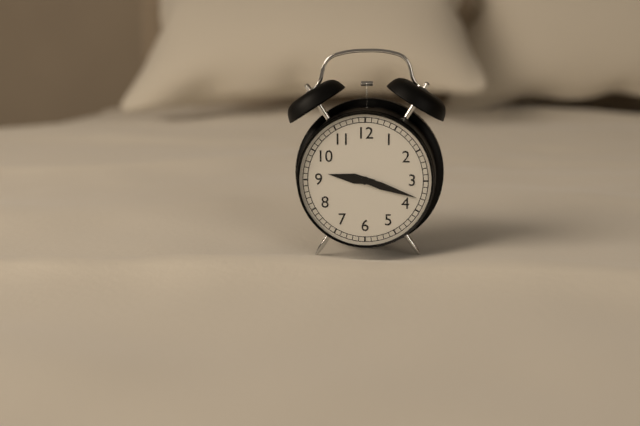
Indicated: 9:18
